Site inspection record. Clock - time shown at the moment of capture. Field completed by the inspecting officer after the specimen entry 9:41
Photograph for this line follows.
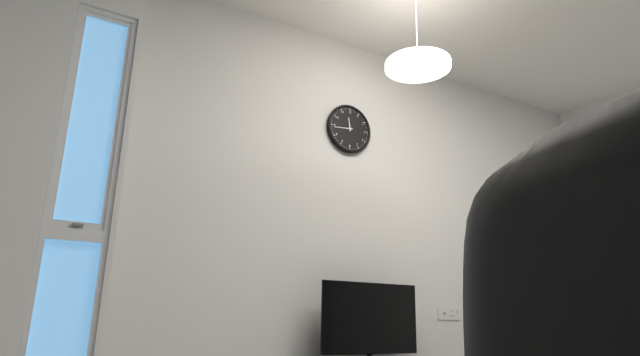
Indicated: 11:44
